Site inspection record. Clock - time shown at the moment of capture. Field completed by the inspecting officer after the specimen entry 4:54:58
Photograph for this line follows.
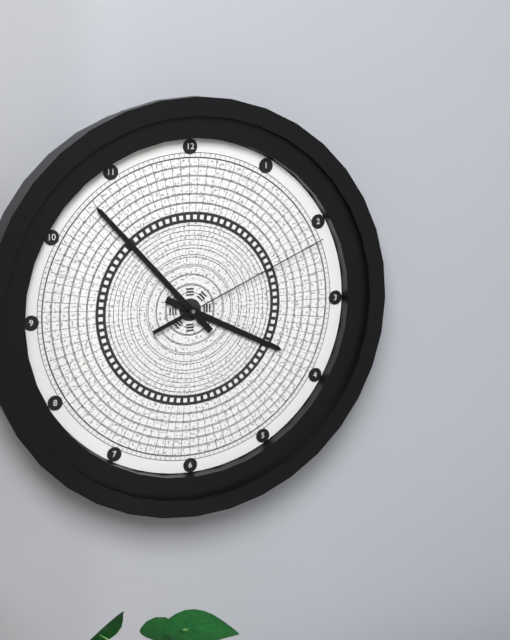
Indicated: 3:53:11
